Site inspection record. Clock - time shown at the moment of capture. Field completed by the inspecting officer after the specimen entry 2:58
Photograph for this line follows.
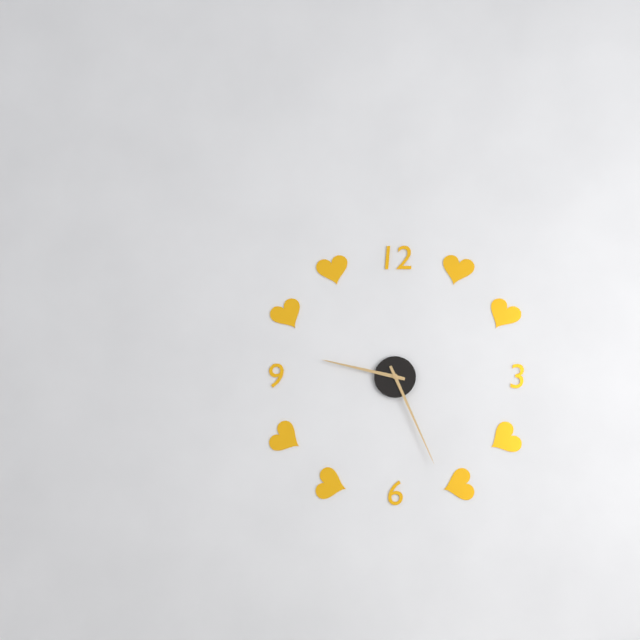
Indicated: 9:26
